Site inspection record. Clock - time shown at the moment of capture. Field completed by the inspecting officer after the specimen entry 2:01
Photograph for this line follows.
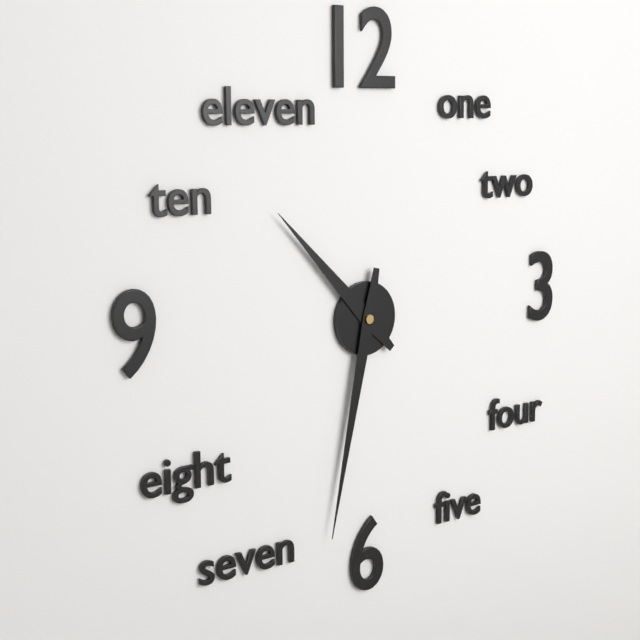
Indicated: 10:32
